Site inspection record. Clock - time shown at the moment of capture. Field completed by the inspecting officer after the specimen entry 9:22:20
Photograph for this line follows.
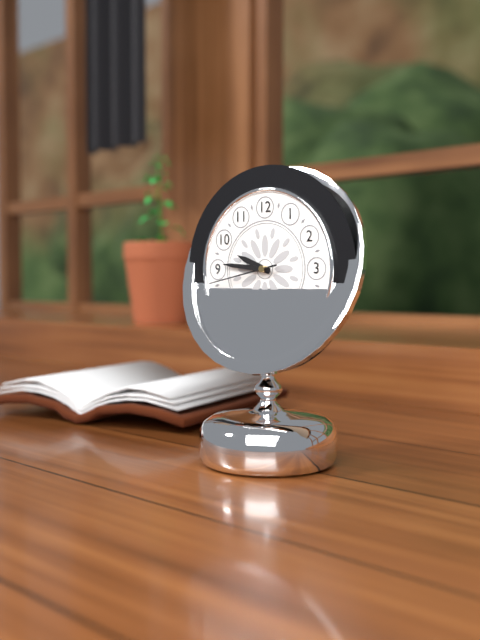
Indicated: 9:46:43
